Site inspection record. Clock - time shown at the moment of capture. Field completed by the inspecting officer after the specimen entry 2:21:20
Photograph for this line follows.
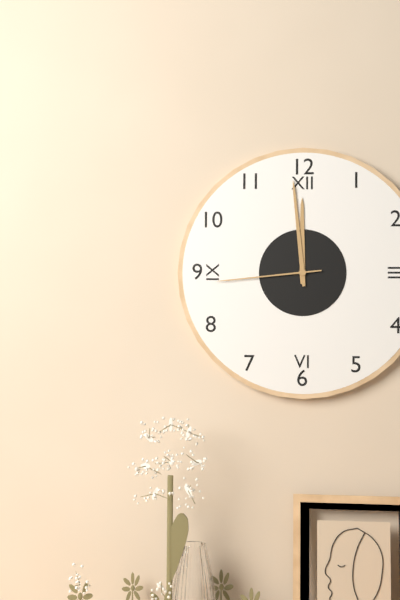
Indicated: 11:59:44
